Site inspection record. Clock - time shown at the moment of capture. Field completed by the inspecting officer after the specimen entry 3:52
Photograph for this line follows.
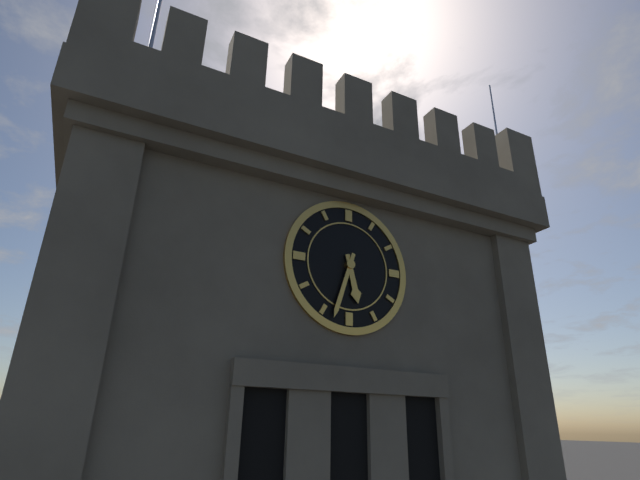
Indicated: 5:33
